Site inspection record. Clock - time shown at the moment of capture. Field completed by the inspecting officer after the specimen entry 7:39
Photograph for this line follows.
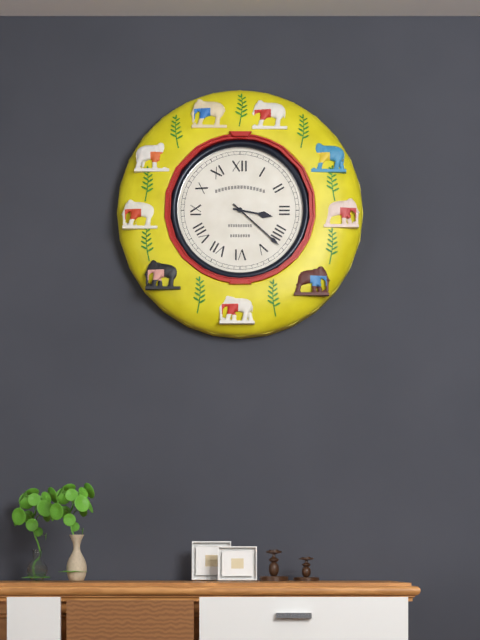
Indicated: 3:22
